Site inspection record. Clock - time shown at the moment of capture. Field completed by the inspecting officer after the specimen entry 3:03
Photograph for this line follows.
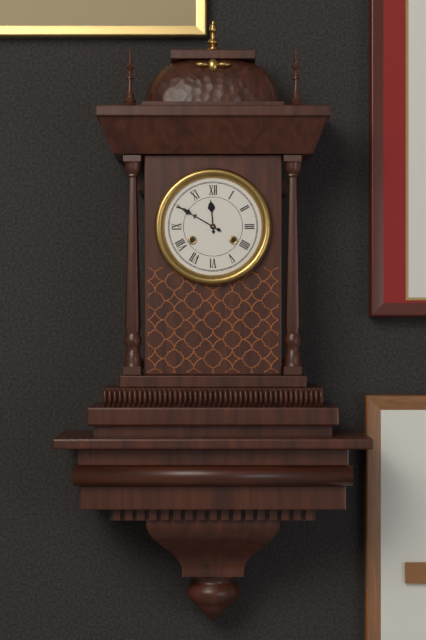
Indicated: 11:50
